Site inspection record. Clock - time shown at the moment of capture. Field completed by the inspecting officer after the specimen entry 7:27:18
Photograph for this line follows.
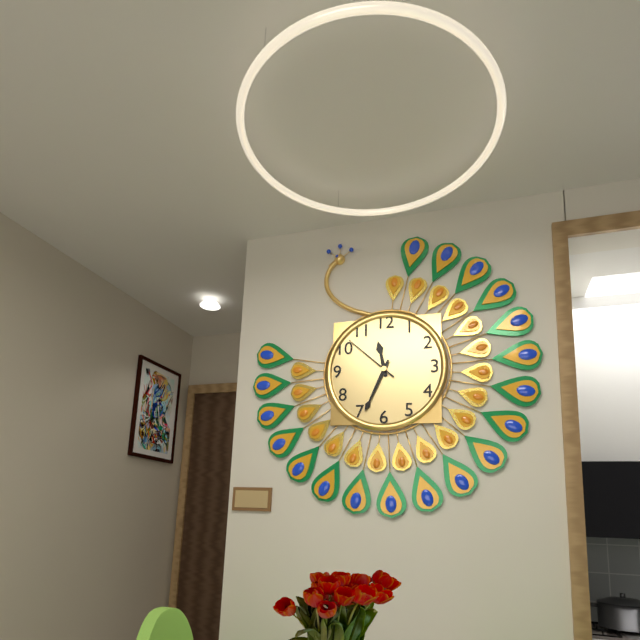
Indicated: 11:34:52
